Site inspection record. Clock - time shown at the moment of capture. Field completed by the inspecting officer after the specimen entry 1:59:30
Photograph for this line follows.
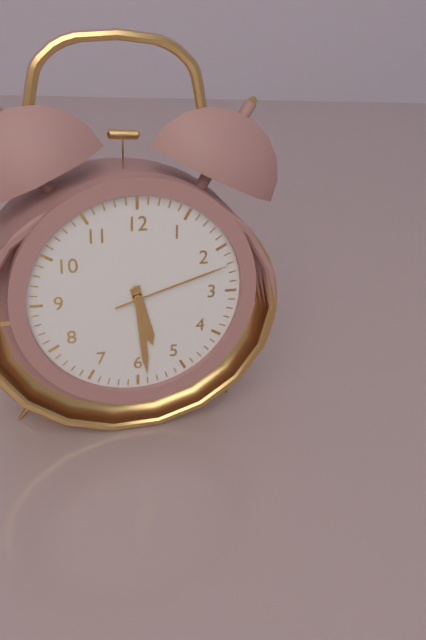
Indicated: 5:29:12
